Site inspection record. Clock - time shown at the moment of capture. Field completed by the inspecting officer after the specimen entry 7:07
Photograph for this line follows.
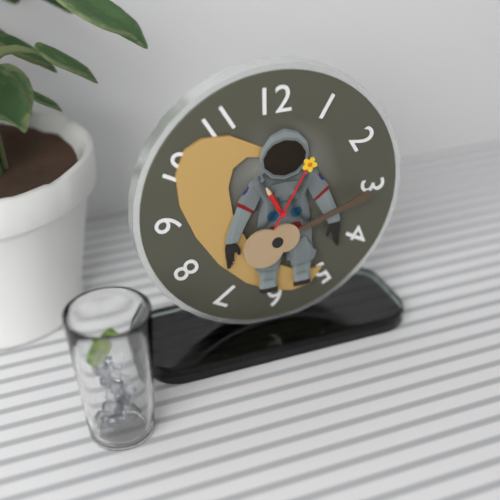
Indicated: 11:05
